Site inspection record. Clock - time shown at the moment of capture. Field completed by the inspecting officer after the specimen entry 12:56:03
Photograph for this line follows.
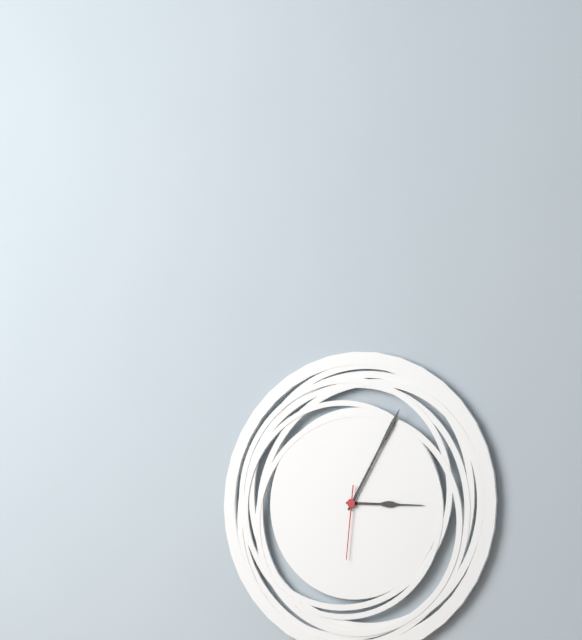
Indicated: 3:05:31
